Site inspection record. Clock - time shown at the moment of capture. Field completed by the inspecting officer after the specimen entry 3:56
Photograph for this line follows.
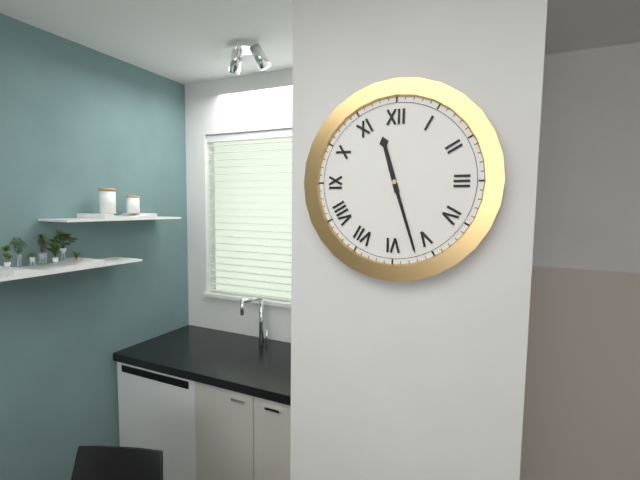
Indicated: 11:27
